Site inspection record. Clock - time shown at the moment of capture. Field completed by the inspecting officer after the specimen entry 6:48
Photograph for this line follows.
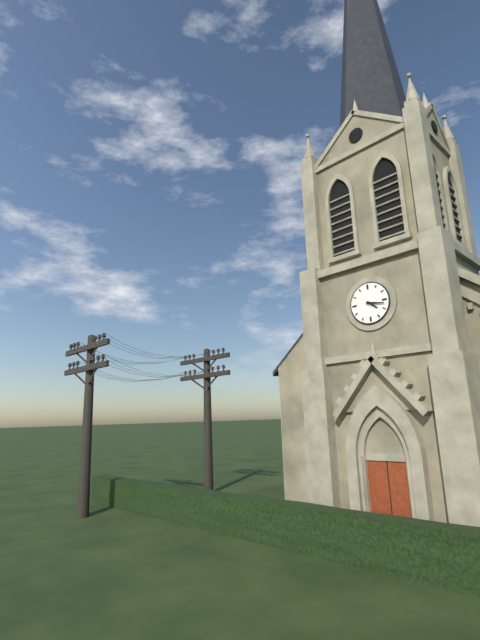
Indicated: 4:17
